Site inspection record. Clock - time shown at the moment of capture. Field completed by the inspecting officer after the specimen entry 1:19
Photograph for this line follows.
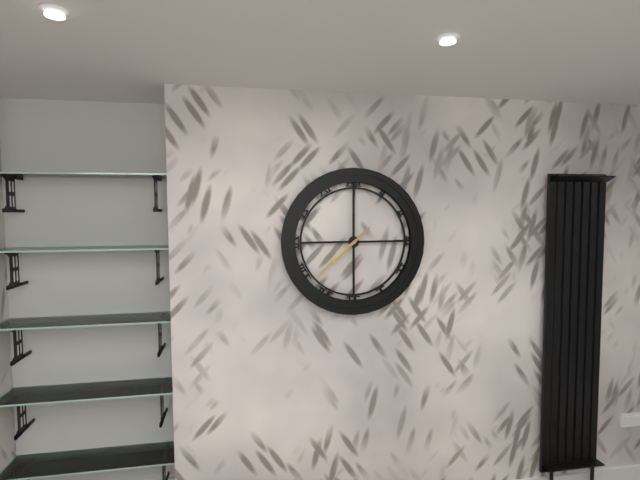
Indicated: 7:38
